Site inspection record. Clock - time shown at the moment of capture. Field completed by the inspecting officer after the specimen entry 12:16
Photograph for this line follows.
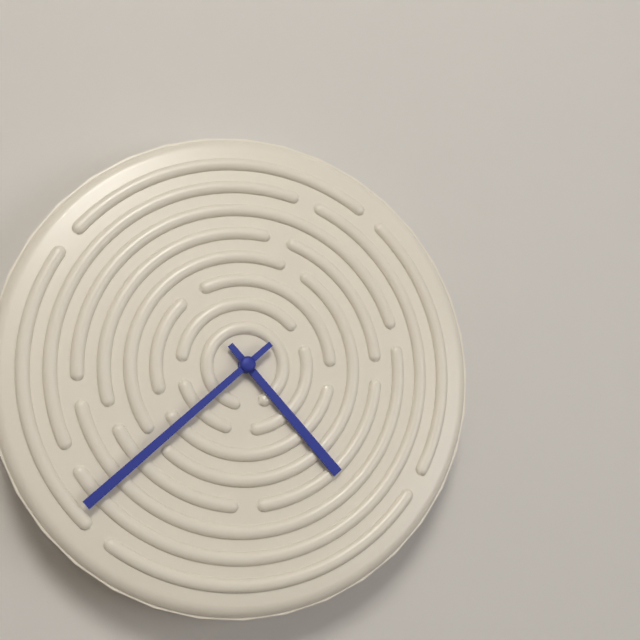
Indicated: 4:38
